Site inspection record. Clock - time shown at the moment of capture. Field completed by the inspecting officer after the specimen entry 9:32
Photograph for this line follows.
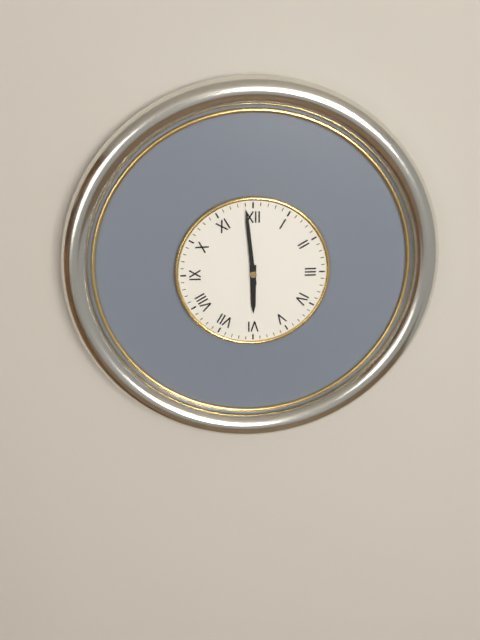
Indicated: 5:59
